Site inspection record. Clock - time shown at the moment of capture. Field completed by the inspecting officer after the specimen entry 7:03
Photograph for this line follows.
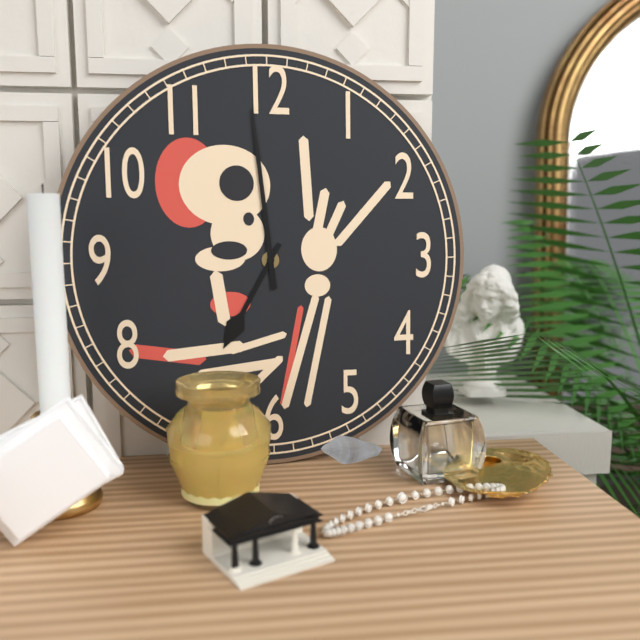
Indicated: 6:59
